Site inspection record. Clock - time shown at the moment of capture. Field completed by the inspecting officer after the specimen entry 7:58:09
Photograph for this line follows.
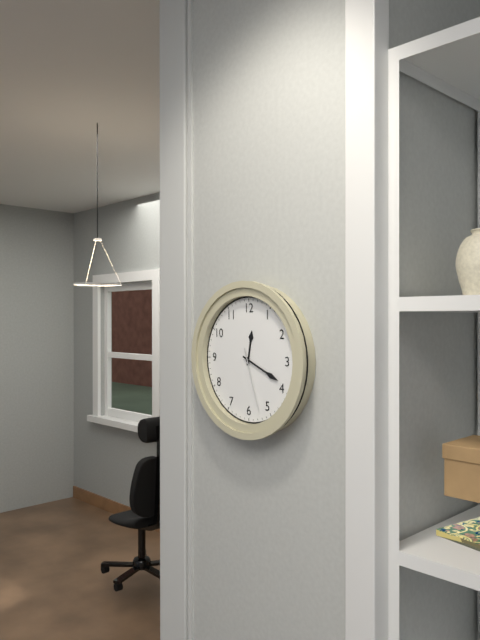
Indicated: 12:19:27
